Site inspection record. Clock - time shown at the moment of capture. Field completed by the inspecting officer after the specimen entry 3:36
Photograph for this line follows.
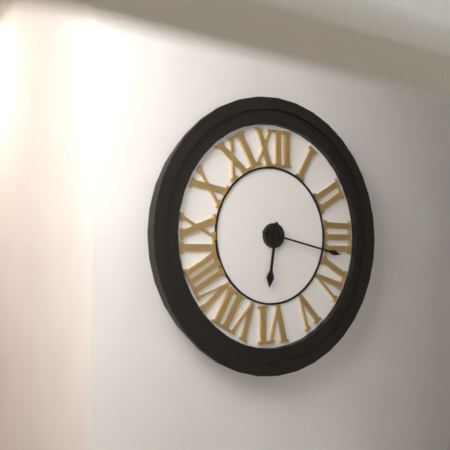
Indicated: 6:17
